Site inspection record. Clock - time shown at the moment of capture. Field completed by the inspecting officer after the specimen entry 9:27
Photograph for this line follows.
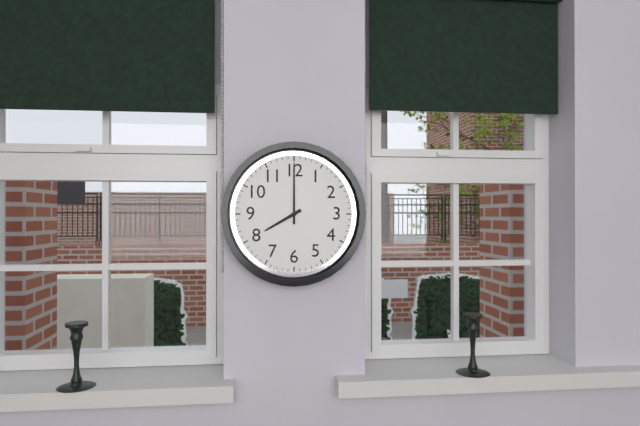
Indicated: 8:00
